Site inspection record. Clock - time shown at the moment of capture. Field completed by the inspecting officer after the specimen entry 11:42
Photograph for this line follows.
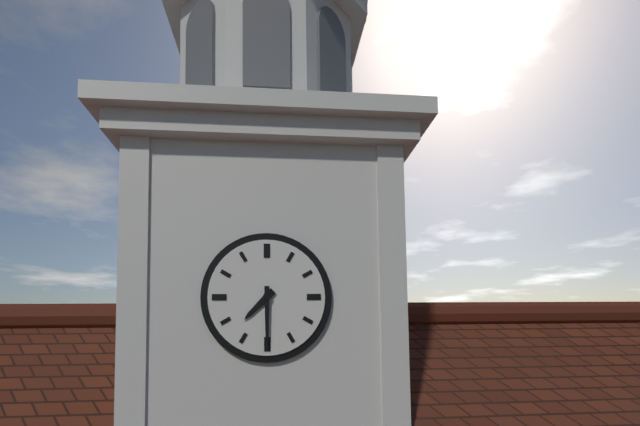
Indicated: 7:30
